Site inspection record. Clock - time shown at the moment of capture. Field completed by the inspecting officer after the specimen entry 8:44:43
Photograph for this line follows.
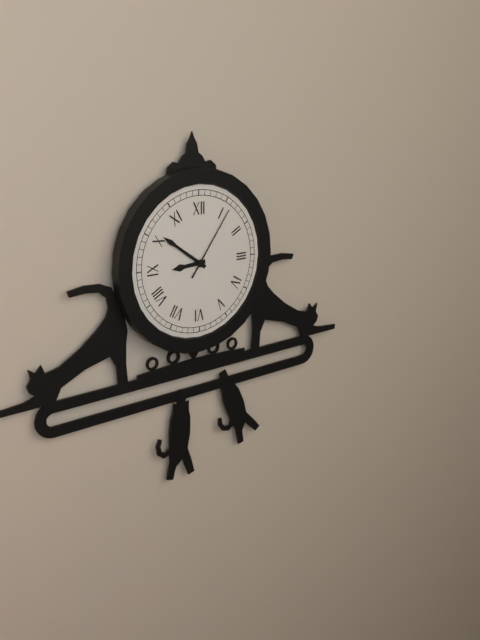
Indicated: 8:51:06
